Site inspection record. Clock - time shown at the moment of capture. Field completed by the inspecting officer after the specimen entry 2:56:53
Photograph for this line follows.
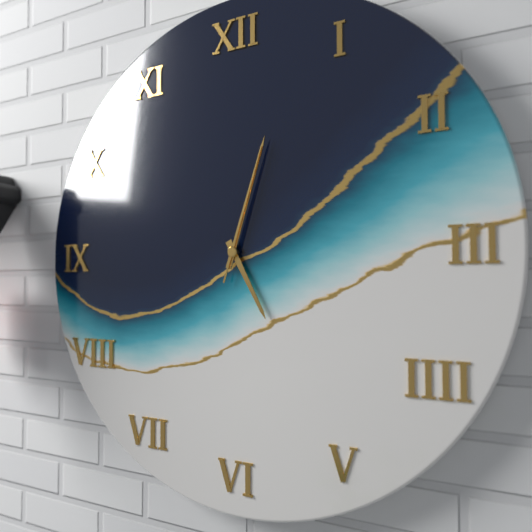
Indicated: 5:03:03
